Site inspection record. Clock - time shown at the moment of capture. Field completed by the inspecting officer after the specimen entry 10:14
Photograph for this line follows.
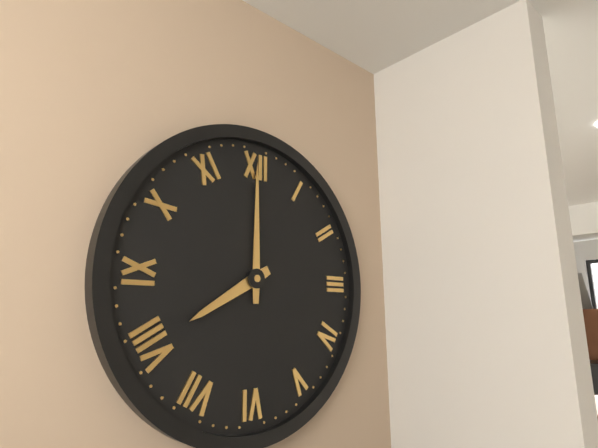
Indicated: 8:00
